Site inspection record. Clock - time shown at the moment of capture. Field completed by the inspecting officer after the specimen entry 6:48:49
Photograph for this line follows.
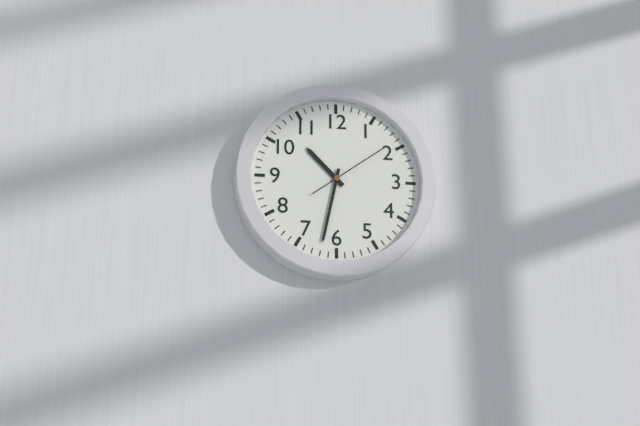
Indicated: 10:32:09
